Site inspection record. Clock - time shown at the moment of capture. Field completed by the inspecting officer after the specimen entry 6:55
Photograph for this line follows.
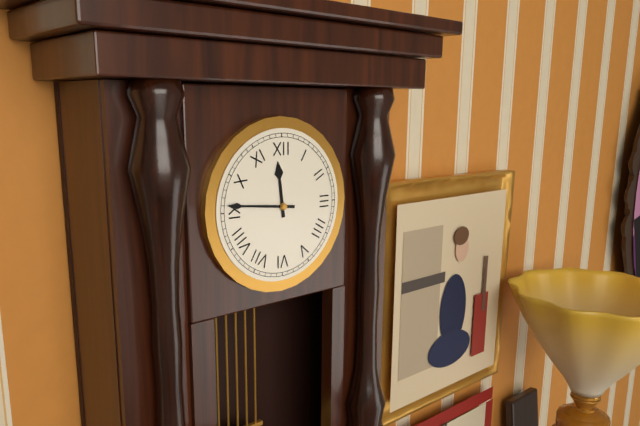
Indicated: 11:46
